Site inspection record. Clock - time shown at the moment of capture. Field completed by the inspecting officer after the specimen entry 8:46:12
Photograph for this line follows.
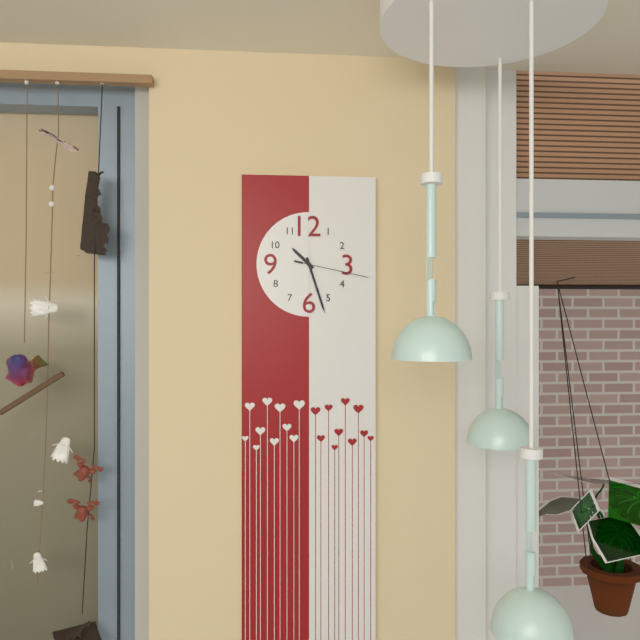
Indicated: 10:27:17
